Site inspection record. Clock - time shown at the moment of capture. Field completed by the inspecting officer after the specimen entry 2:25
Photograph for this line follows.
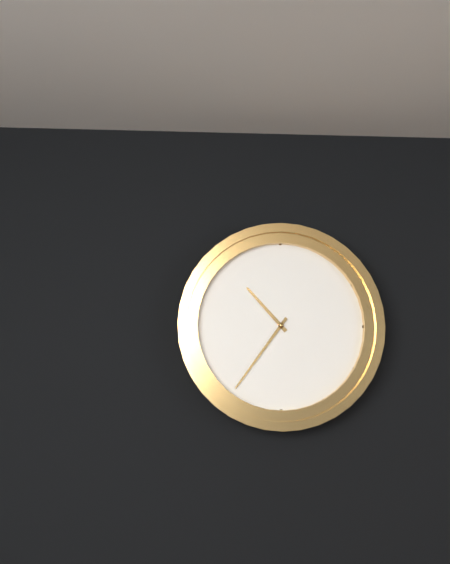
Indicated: 10:36
